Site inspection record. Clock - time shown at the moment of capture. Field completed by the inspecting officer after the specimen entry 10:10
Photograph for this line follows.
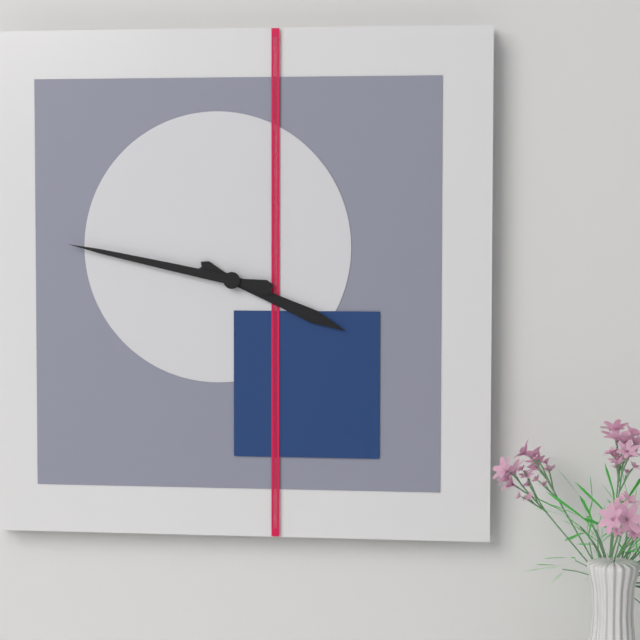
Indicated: 3:47
